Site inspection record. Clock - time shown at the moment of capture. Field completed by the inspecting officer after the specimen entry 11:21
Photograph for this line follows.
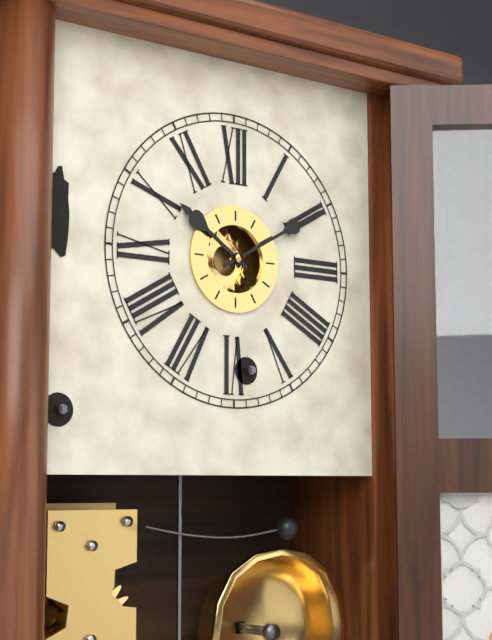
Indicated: 10:10
